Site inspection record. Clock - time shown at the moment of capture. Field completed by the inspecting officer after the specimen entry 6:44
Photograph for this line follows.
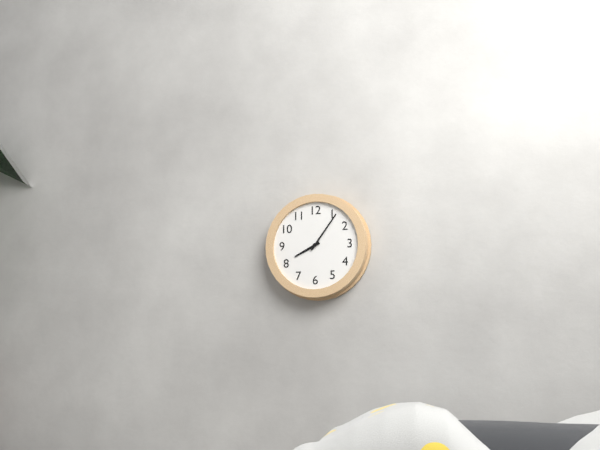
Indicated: 8:06
